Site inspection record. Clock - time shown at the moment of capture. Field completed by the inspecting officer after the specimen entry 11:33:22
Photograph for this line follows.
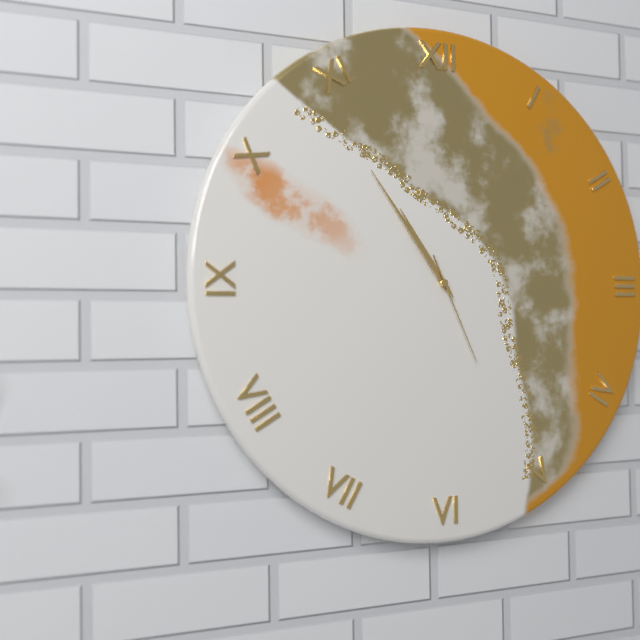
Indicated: 10:54:26
